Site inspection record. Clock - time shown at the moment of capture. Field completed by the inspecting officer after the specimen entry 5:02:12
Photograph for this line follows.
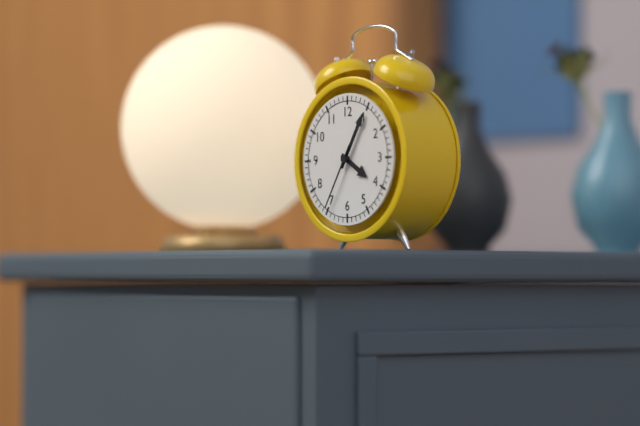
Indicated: 4:05:35
